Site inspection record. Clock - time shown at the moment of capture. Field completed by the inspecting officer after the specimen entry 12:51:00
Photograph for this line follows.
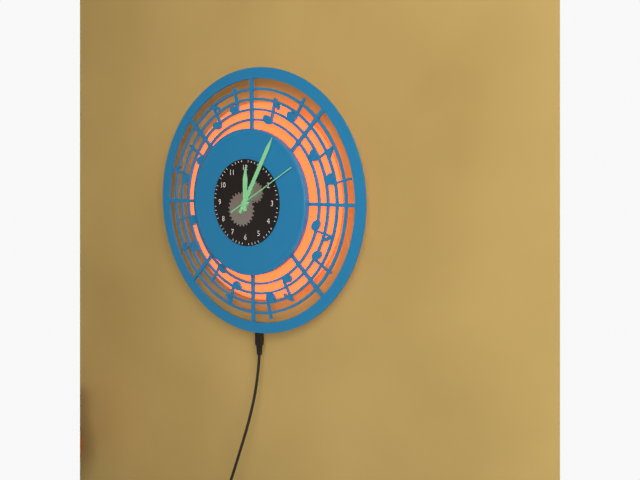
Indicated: 12:05:10
